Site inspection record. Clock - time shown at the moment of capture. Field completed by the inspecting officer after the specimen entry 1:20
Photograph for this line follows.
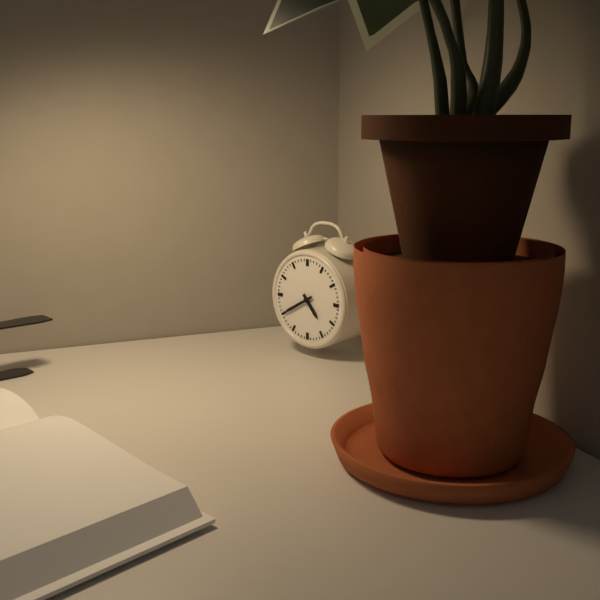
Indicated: 4:40
